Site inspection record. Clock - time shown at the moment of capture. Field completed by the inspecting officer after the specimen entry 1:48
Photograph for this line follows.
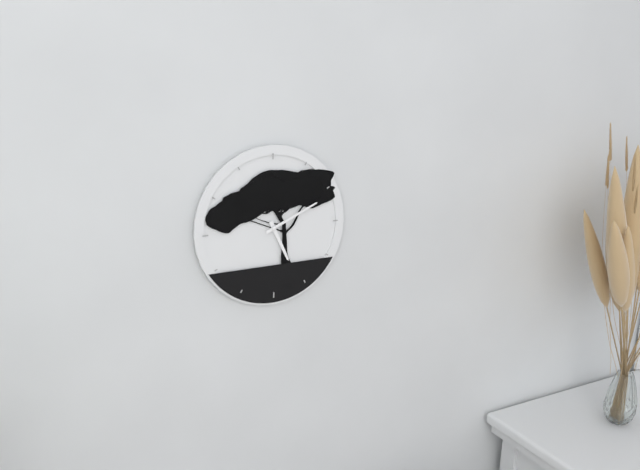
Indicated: 5:11
